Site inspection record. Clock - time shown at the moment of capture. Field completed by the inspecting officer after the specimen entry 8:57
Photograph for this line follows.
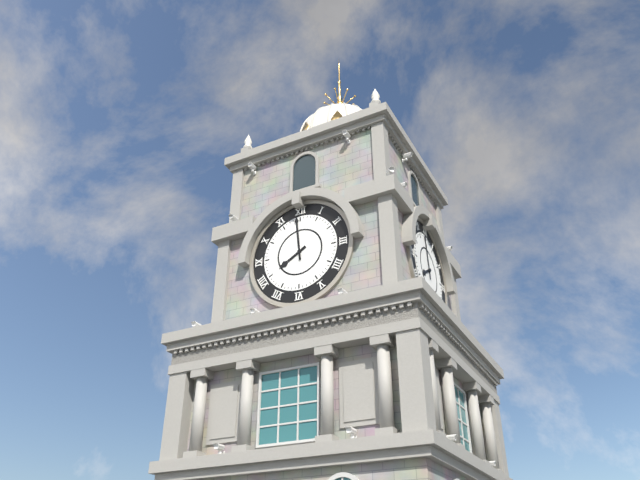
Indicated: 7:59
